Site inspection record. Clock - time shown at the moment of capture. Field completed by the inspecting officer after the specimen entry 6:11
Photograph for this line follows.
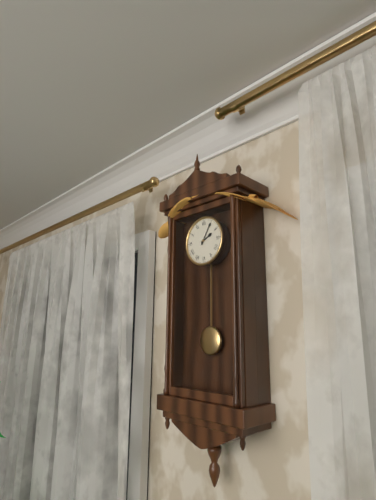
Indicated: 2:05
